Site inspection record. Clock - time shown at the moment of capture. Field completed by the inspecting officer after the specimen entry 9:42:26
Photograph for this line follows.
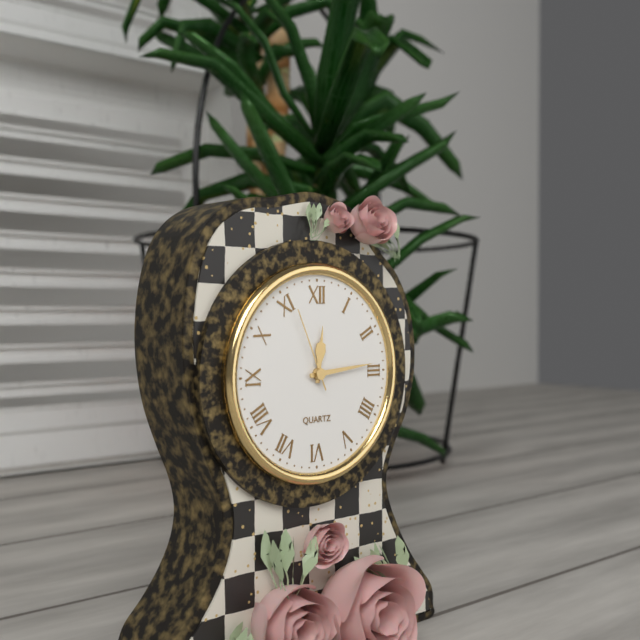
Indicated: 12:14:56
